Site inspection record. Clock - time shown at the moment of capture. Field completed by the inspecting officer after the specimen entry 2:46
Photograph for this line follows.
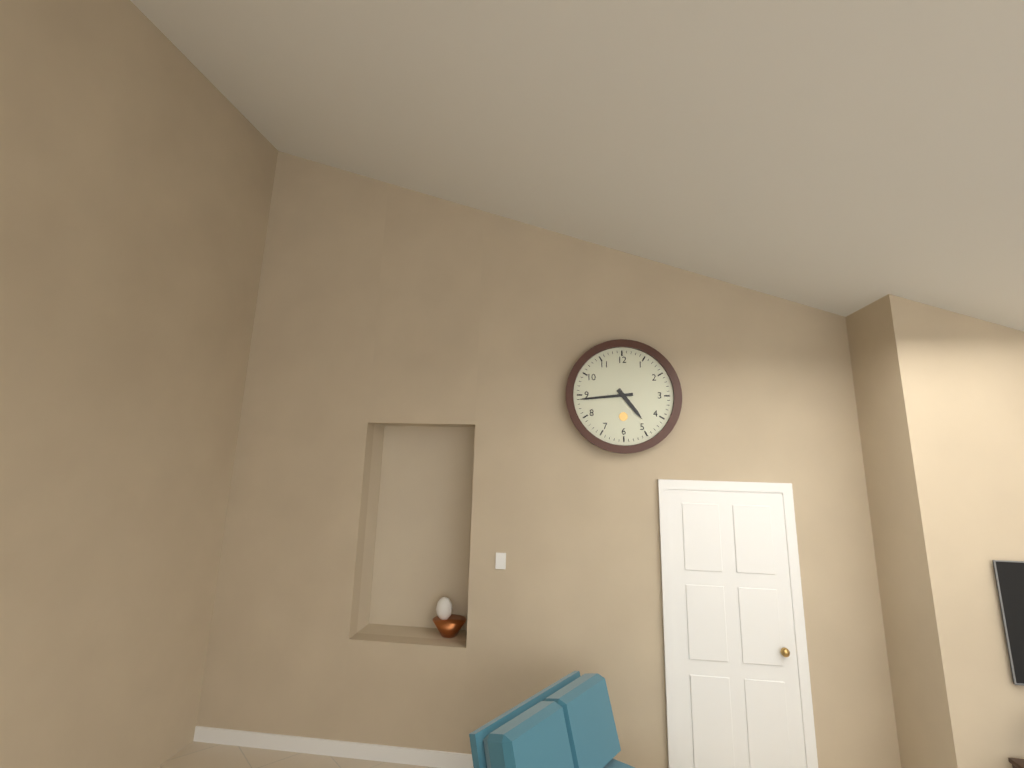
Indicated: 4:44
